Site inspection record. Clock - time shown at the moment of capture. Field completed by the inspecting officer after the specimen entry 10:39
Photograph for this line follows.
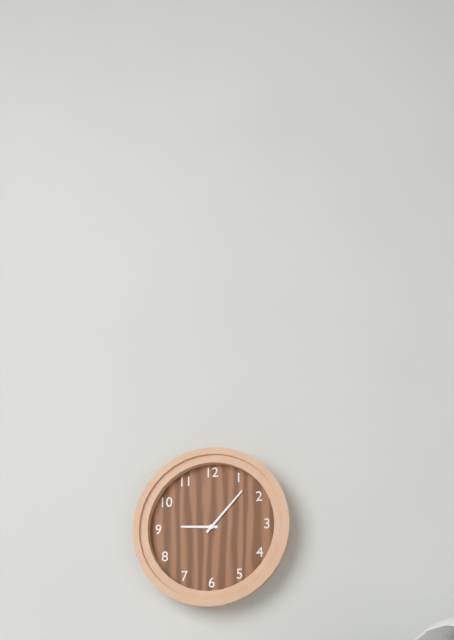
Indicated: 9:07
